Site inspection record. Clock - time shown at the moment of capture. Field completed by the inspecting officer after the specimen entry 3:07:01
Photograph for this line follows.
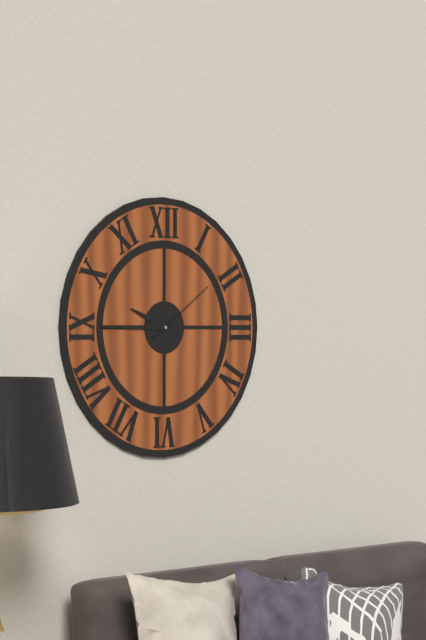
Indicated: 9:45:09
